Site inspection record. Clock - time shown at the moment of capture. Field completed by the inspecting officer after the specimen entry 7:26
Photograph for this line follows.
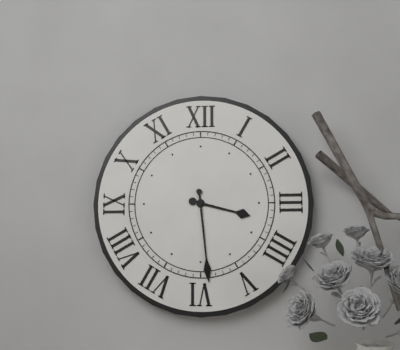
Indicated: 3:29
